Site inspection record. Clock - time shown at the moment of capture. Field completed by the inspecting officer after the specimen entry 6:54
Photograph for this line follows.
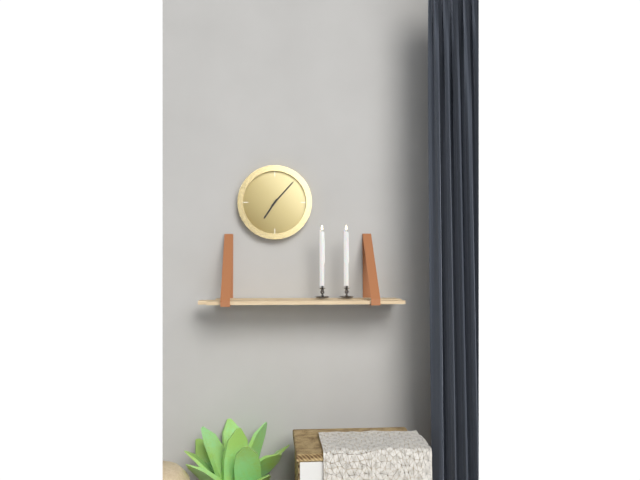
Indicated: 7:07
